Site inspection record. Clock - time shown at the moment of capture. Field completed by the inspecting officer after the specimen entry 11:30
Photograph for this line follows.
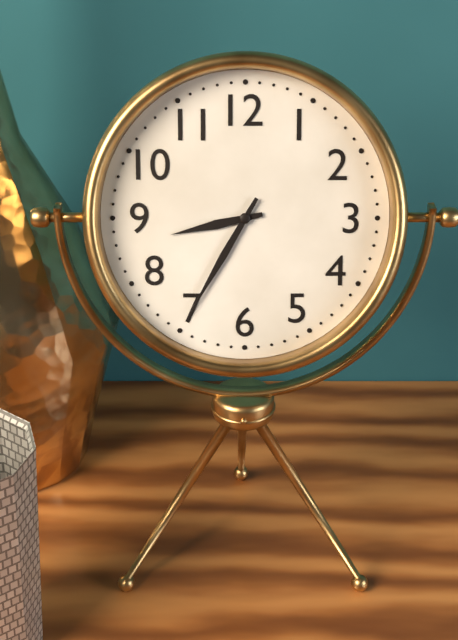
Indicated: 8:35
